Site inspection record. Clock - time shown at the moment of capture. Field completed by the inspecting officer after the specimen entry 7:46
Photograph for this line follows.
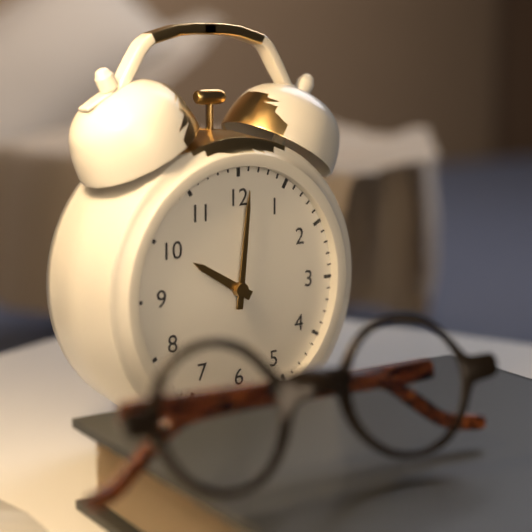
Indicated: 10:01
